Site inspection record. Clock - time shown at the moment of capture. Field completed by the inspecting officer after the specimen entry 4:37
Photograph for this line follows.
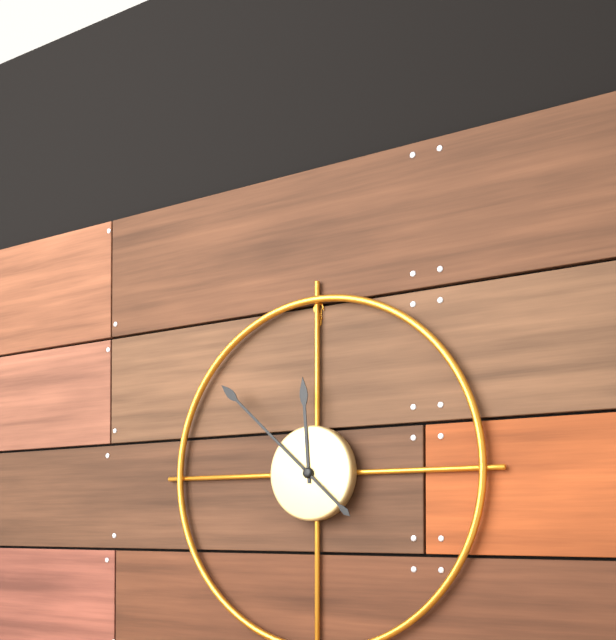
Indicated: 11:52
